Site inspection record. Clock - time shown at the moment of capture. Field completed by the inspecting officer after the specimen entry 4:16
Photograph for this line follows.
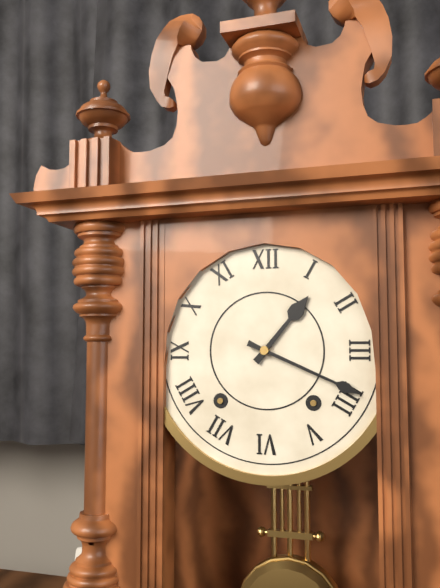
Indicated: 1:19
